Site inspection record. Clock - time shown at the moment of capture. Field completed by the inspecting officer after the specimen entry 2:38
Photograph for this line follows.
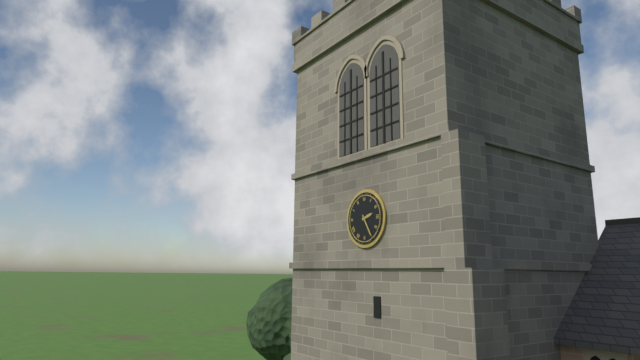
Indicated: 2:25
